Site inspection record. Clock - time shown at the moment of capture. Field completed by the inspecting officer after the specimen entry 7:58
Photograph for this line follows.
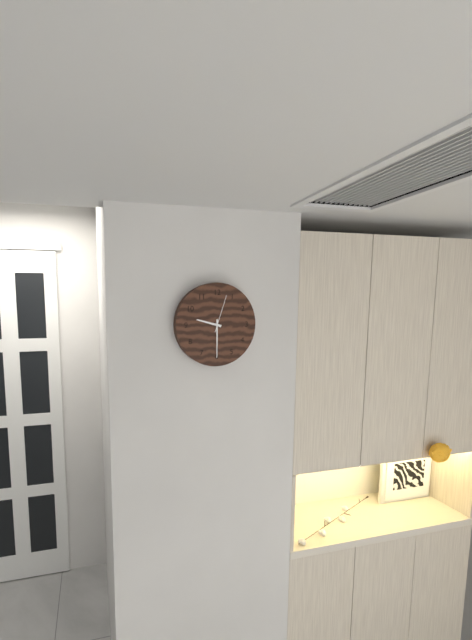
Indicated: 9:30
